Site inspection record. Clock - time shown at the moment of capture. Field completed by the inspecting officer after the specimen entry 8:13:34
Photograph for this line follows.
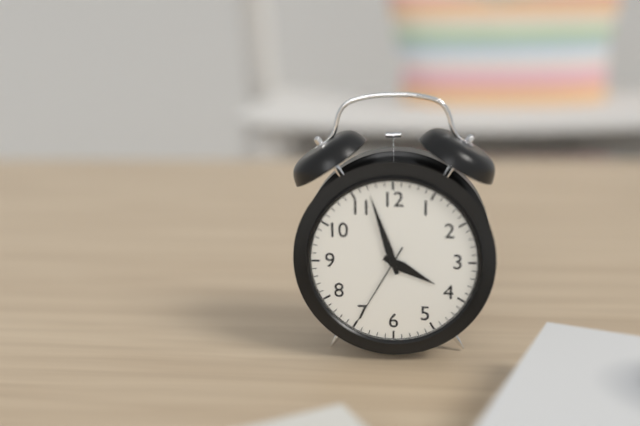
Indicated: 3:57:35
